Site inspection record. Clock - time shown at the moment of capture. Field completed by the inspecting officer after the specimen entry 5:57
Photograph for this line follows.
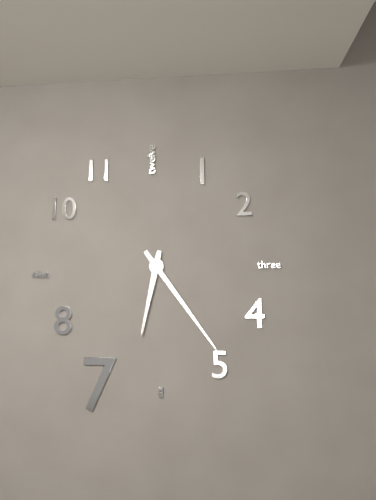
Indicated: 6:24
